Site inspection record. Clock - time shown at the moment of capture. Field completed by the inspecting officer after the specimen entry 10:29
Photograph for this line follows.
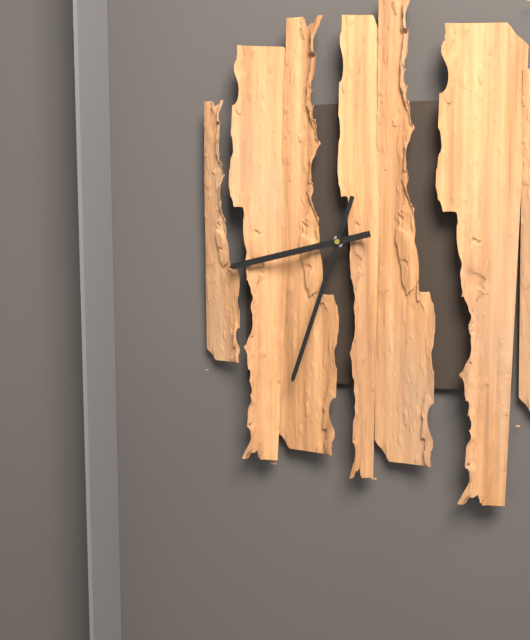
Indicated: 8:33
